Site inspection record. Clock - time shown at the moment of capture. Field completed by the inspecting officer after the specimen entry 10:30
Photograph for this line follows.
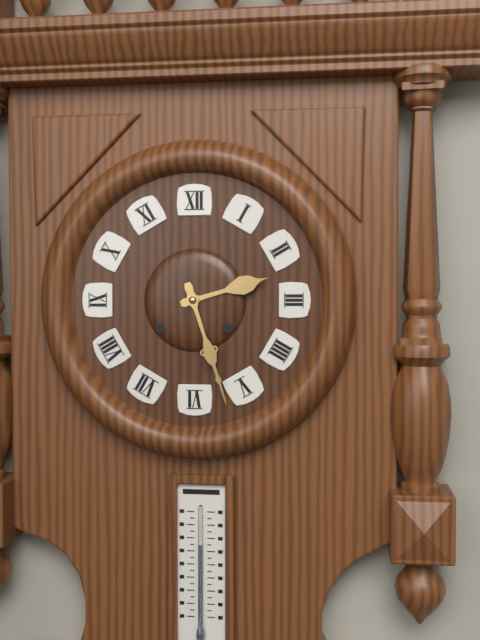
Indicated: 2:27
